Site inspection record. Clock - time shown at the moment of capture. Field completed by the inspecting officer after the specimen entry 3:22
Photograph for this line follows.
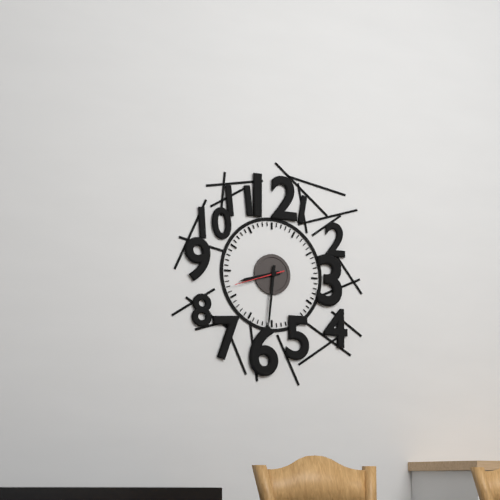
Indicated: 8:31
